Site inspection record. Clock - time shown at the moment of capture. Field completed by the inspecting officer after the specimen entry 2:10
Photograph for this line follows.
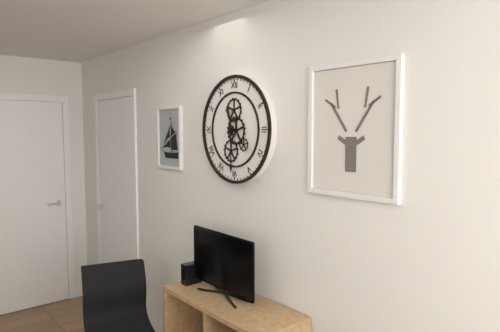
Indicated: 11:30
